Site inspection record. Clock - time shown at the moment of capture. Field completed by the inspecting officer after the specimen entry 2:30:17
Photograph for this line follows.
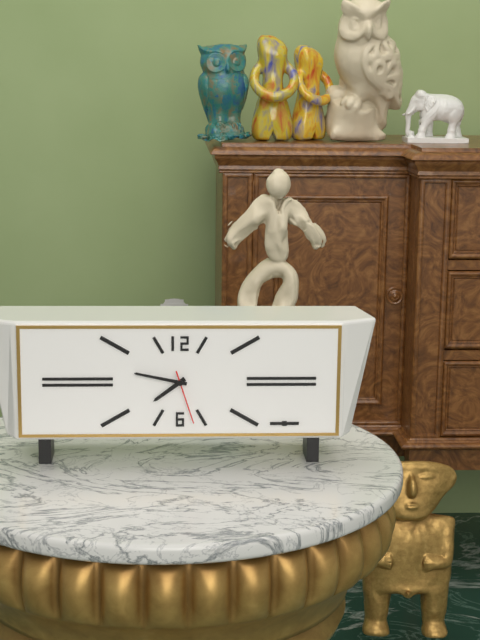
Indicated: 7:47:27
